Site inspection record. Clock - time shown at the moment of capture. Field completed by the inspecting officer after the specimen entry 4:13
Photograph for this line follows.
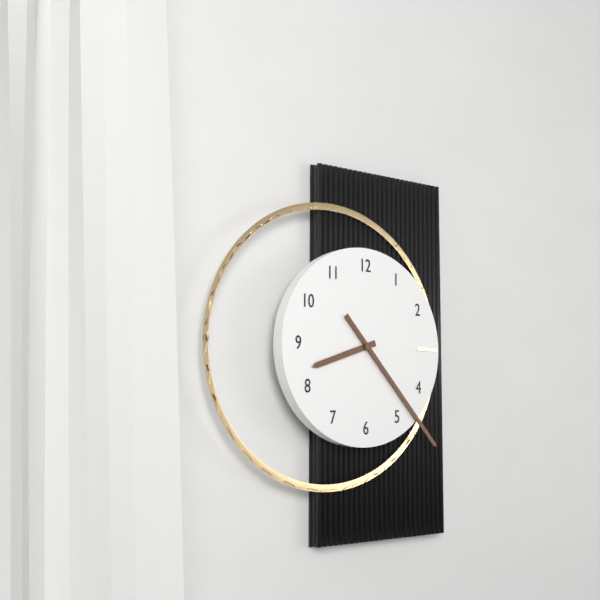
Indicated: 8:23
